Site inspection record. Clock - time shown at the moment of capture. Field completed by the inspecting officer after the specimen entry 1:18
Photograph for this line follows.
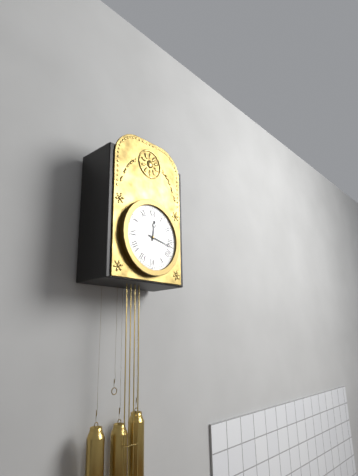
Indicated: 12:17
